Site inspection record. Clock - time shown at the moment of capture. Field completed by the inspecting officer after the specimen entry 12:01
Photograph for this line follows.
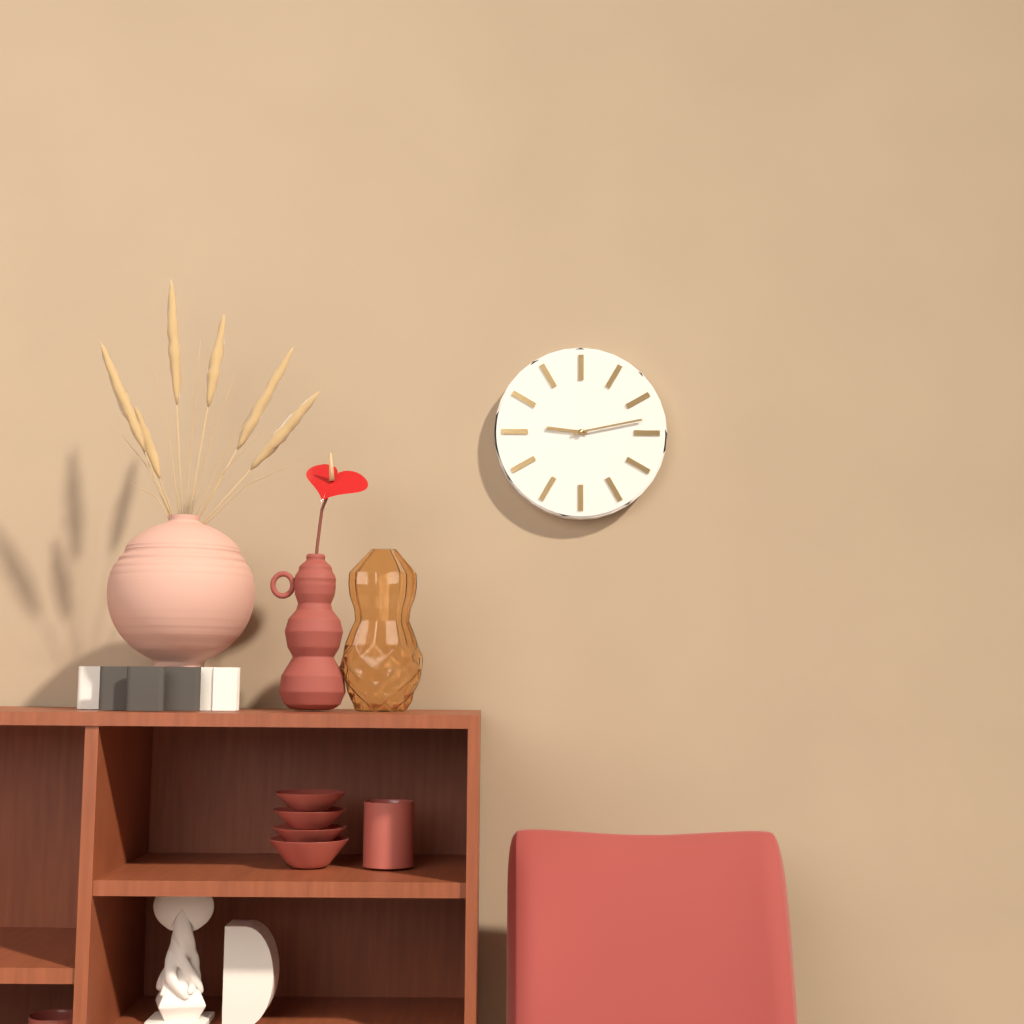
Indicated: 9:13
